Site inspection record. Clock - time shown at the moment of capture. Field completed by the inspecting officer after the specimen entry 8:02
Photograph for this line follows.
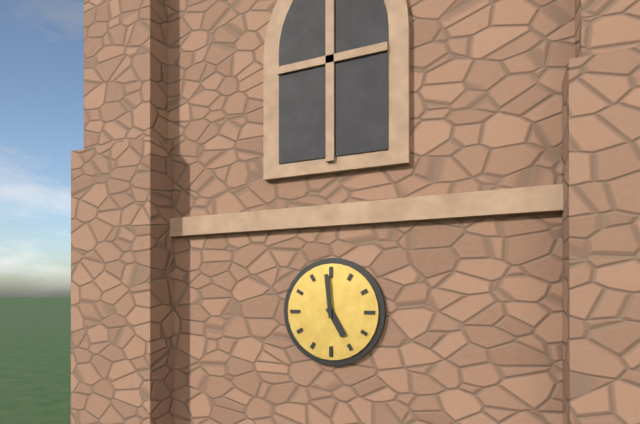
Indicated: 4:59
